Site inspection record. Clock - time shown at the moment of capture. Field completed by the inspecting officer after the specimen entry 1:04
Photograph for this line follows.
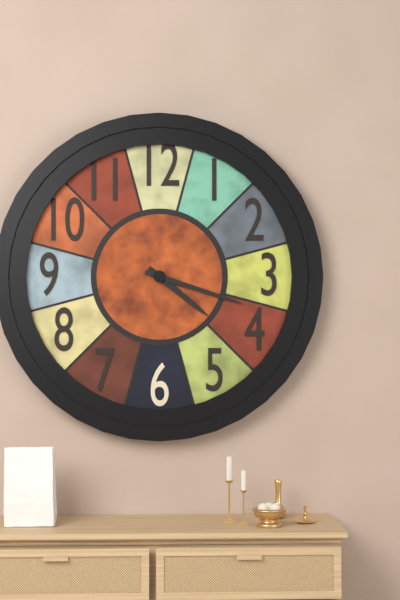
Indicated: 4:18
